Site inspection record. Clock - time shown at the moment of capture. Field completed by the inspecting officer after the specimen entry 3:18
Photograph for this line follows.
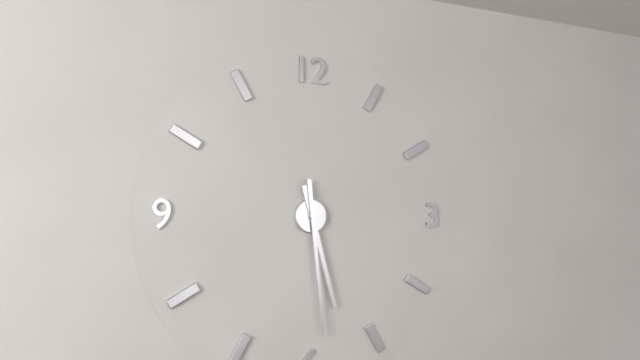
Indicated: 5:29
